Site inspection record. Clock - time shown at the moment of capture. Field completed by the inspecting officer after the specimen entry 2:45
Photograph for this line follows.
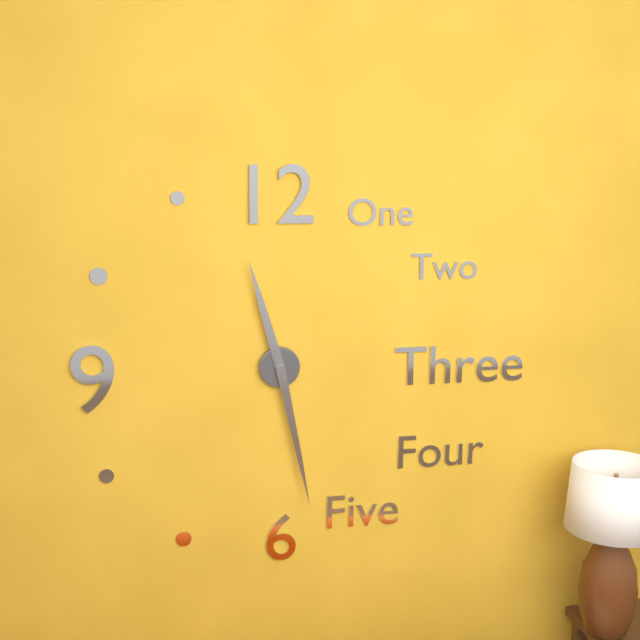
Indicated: 11:28
